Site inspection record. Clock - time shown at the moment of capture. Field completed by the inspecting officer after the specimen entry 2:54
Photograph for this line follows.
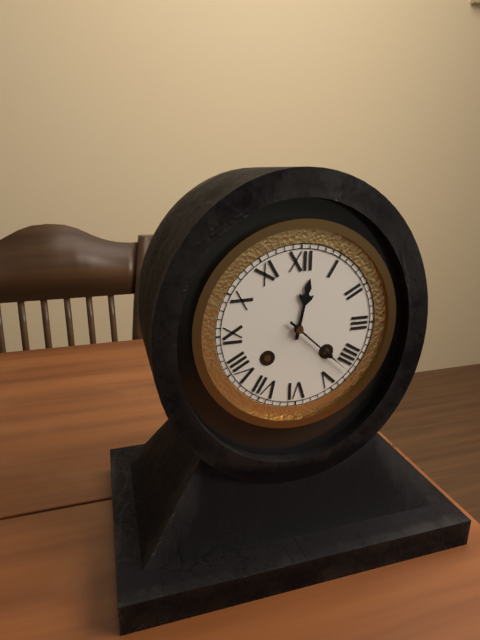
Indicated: 12:22
